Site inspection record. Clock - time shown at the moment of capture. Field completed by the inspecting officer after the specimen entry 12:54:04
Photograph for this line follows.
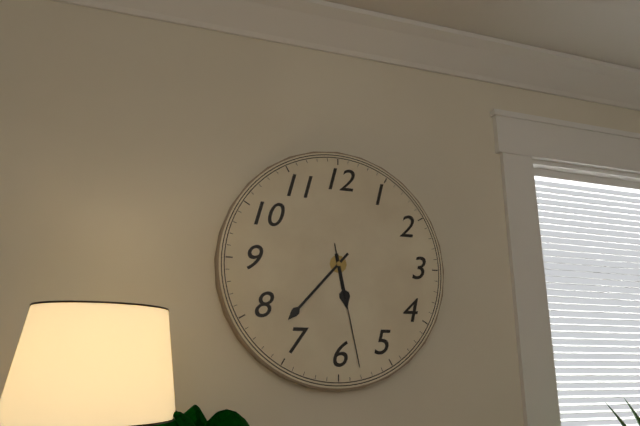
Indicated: 5:37:28
